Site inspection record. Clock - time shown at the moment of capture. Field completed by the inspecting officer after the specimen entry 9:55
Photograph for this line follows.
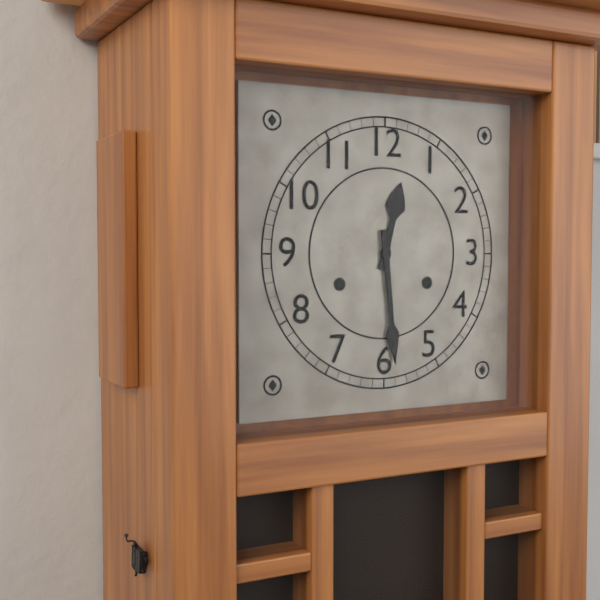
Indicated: 12:29
